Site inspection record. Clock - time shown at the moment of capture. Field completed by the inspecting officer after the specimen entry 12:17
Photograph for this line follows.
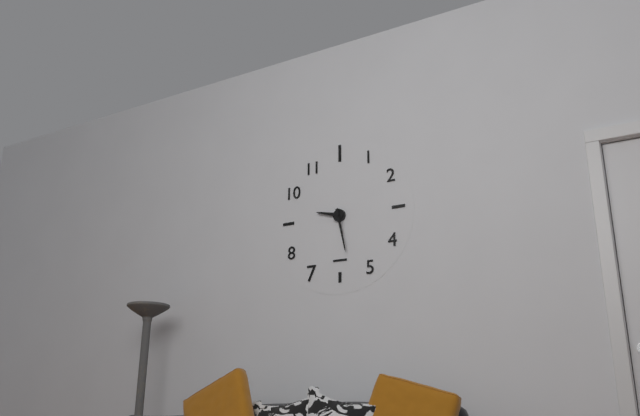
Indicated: 9:28
